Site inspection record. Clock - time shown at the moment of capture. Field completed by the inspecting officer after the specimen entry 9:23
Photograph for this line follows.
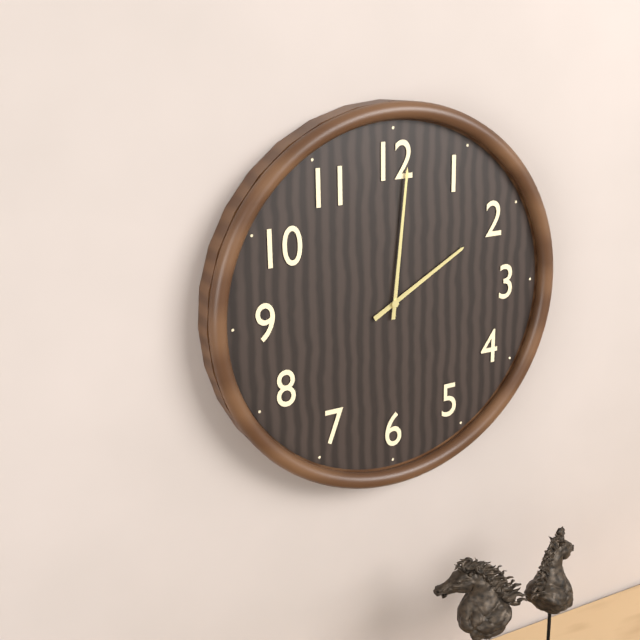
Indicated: 2:01
